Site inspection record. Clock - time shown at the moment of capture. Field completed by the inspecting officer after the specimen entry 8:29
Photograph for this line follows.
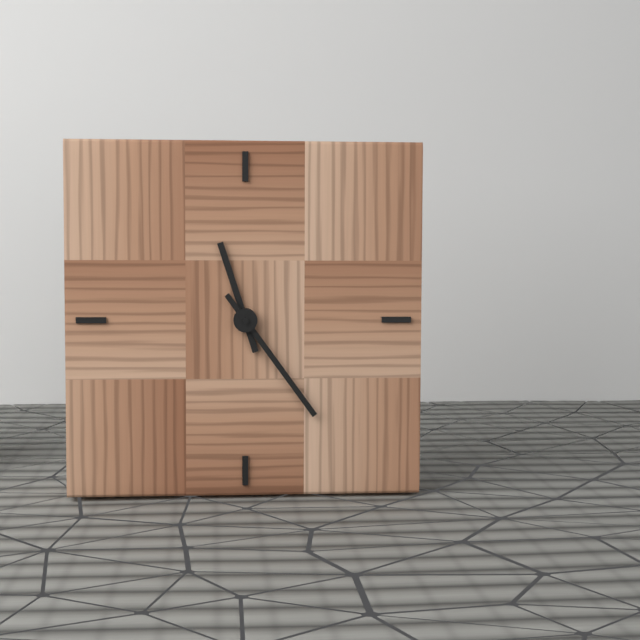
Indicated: 11:24
